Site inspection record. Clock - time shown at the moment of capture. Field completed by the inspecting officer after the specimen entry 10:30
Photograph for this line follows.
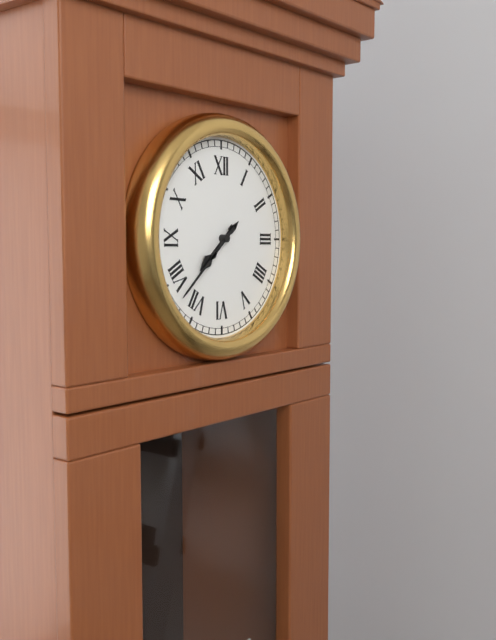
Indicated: 7:38
